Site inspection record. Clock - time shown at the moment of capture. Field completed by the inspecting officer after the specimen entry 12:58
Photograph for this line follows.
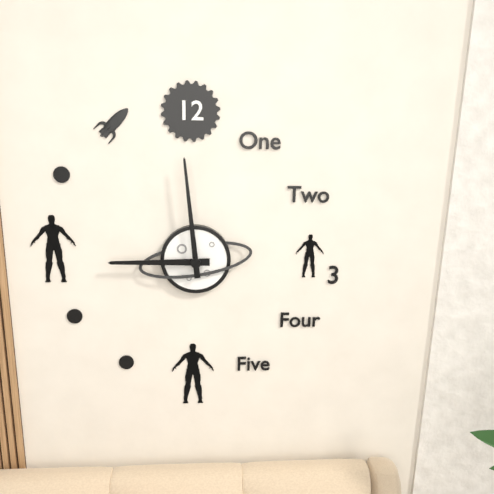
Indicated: 8:59
